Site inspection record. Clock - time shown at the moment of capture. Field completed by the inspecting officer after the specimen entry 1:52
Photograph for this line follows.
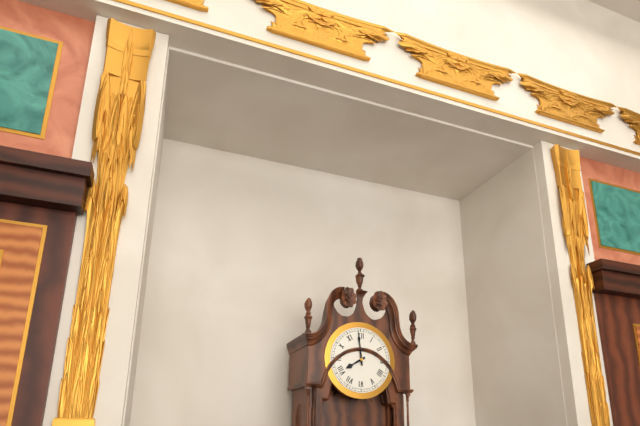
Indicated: 7:59
